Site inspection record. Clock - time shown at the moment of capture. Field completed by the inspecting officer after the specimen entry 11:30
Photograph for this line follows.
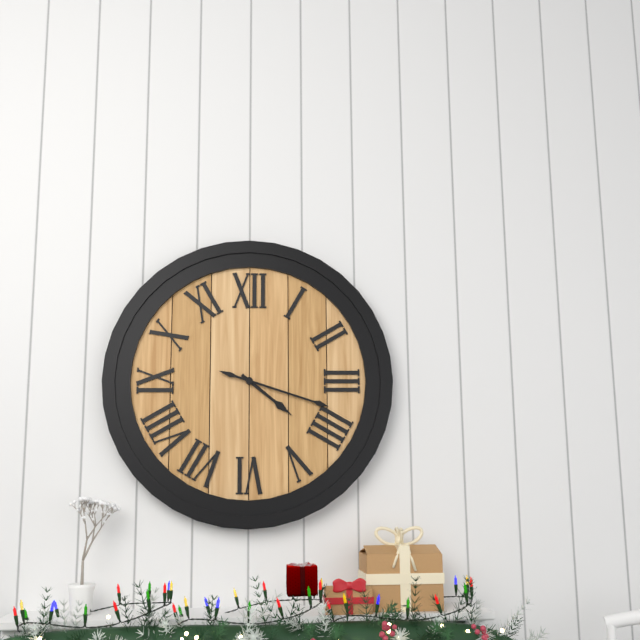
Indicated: 4:18
